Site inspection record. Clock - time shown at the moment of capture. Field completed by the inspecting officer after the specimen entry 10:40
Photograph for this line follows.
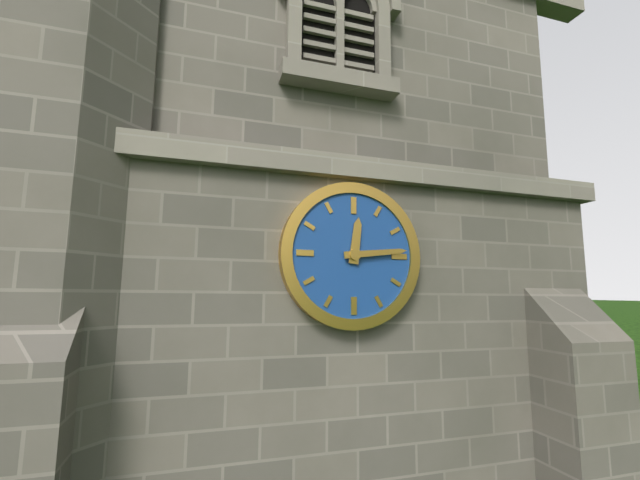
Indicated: 12:14
